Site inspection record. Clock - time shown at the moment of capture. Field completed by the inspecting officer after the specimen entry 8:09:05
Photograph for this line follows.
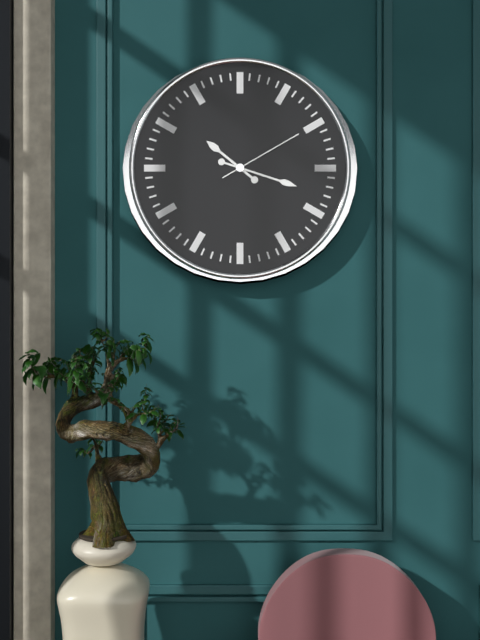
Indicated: 10:18:10
